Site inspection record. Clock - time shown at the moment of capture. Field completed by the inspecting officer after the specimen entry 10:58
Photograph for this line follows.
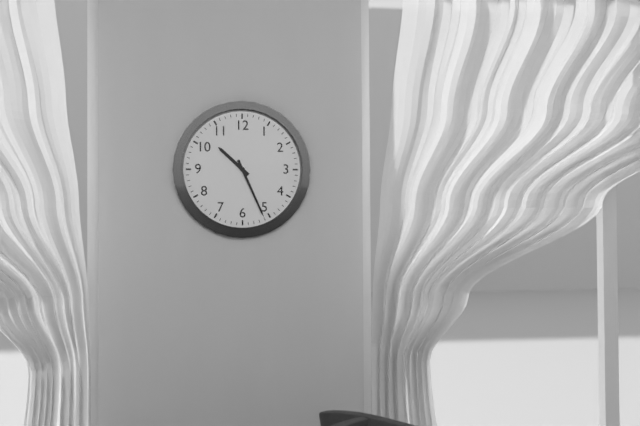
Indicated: 10:26
